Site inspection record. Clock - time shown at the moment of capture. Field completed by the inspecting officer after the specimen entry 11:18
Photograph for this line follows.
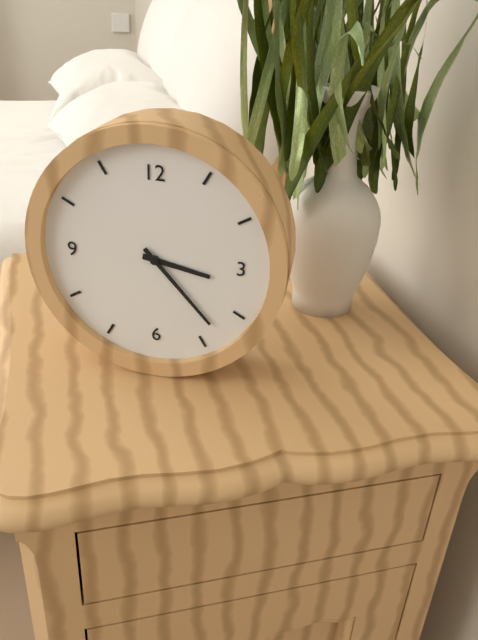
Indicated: 3:23
